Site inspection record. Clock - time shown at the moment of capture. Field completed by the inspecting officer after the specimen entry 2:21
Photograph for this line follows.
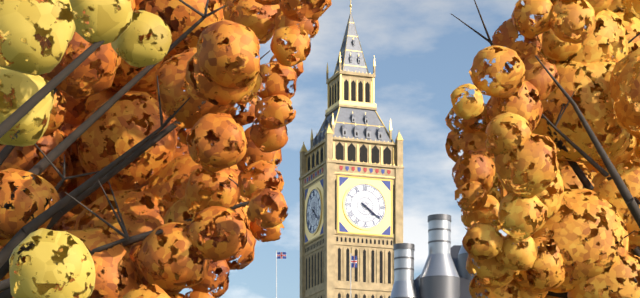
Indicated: 4:21
